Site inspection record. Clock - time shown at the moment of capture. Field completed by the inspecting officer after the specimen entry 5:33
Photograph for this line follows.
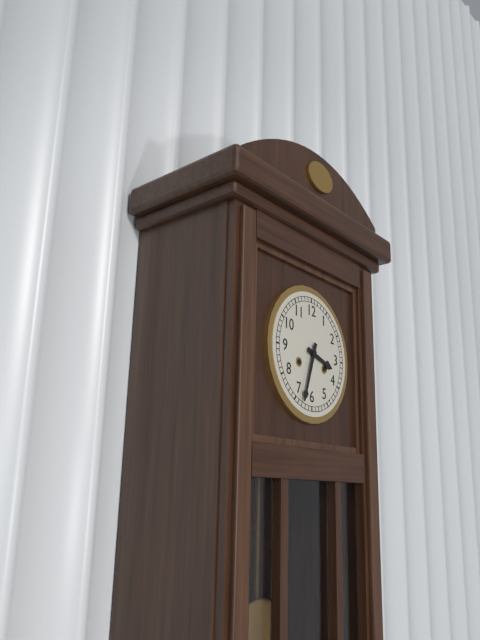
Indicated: 3:33
